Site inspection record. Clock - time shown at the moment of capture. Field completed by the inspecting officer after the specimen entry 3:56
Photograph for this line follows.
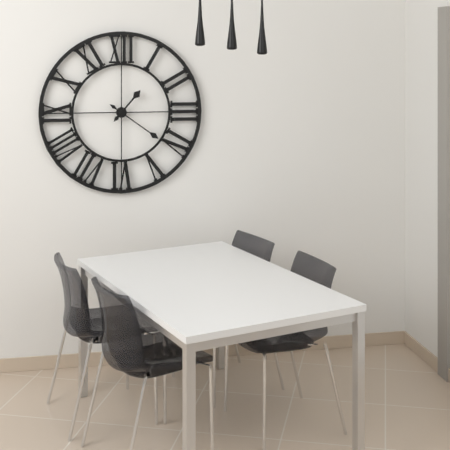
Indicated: 1:21
